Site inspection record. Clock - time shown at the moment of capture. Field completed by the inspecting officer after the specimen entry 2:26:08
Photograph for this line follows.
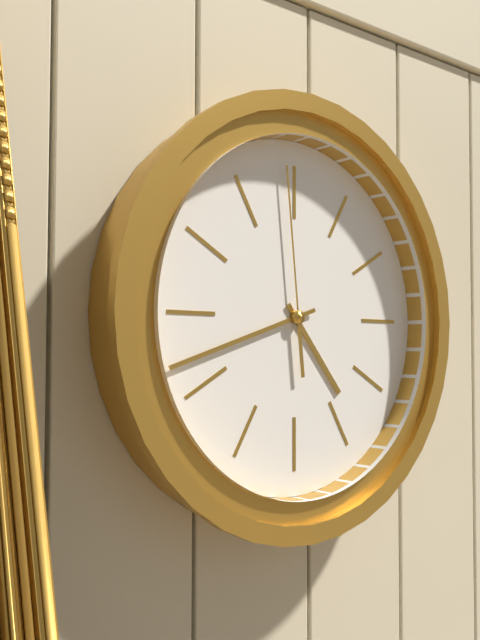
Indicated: 4:42:59
